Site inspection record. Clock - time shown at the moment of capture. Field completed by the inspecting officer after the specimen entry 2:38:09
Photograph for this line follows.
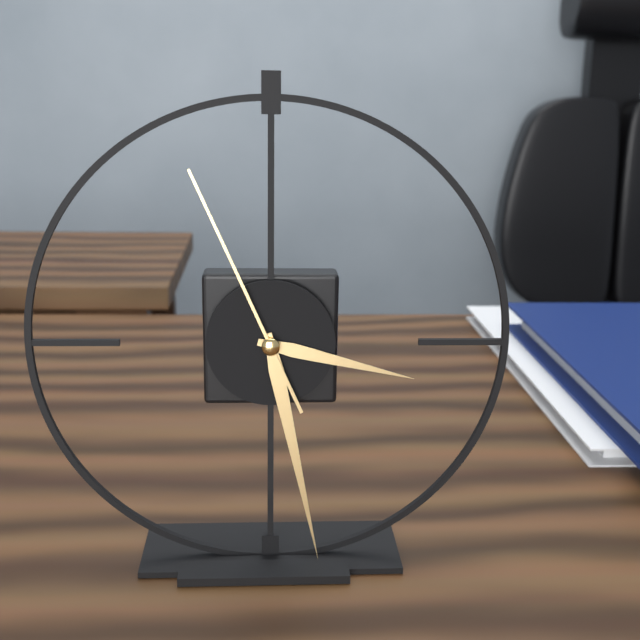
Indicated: 3:28:56
